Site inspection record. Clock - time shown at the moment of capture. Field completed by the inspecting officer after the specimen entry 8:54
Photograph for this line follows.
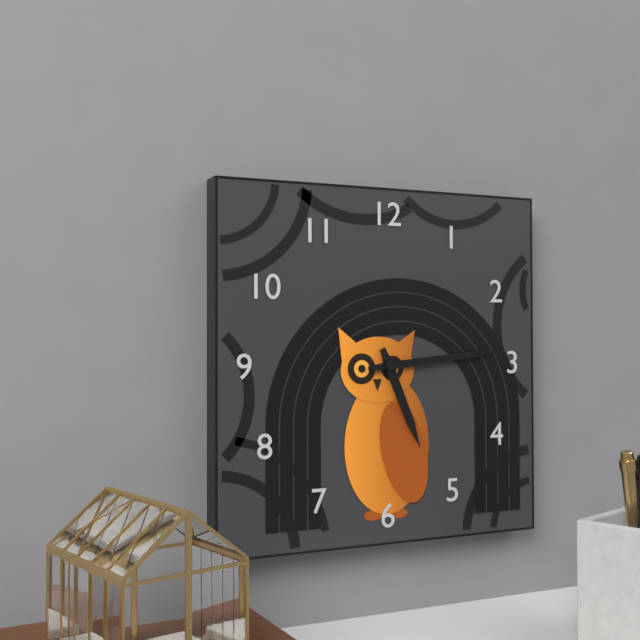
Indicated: 5:14
